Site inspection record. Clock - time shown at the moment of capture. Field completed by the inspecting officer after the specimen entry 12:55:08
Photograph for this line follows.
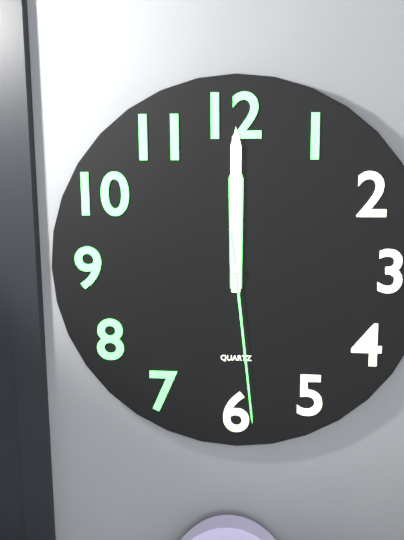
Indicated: 12:00:29
